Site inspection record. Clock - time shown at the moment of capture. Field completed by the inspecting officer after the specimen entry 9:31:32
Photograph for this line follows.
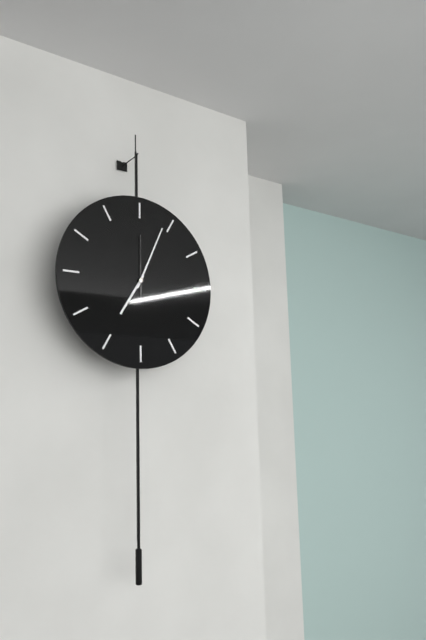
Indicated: 7:04:00
